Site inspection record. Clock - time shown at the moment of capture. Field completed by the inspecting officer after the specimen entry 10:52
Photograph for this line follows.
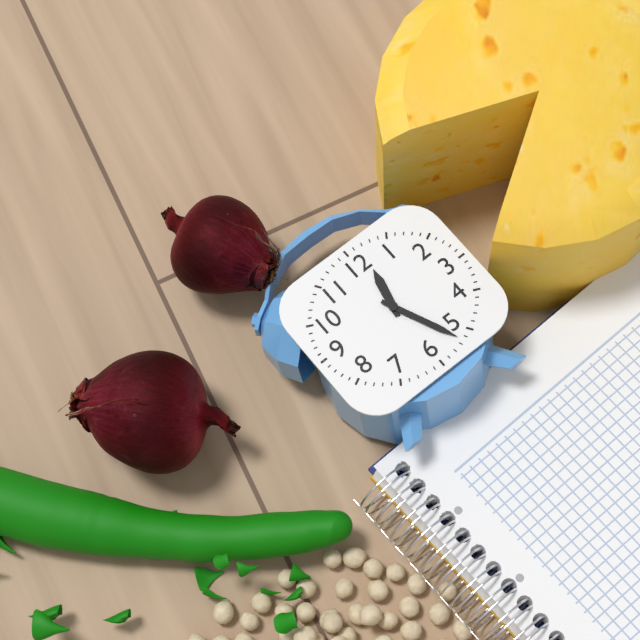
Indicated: 12:26
